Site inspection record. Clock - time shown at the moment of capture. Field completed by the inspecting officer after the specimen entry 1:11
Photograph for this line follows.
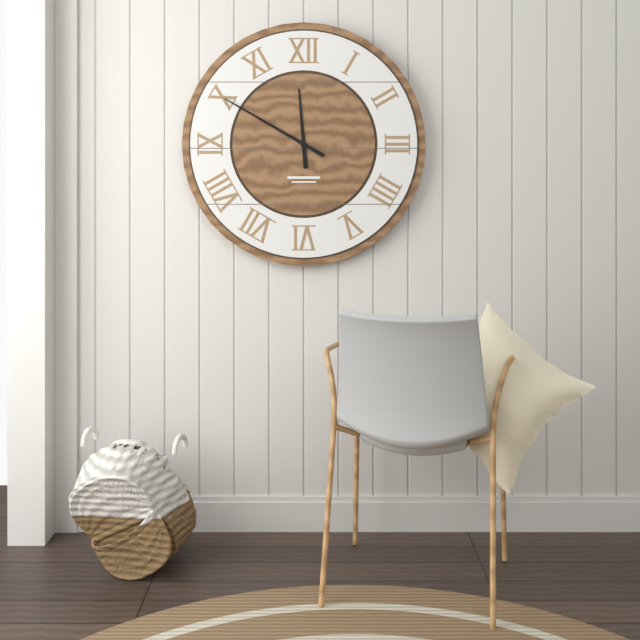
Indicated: 11:50
